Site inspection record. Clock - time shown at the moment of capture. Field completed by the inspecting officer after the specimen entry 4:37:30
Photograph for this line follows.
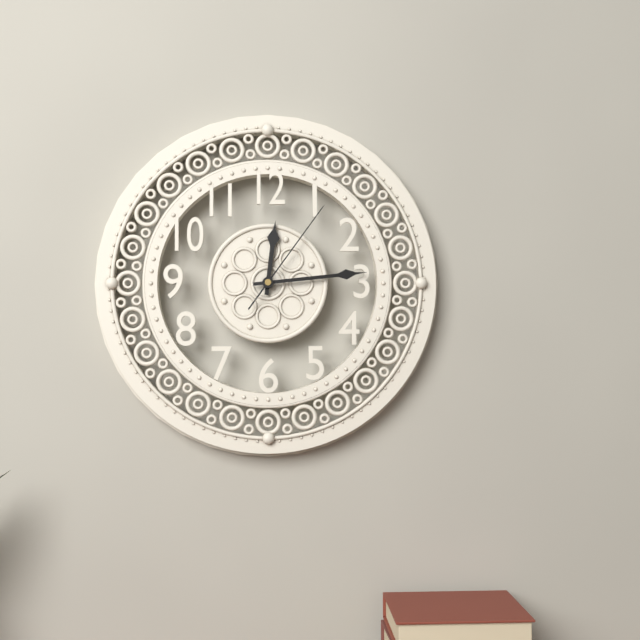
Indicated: 12:14:06
